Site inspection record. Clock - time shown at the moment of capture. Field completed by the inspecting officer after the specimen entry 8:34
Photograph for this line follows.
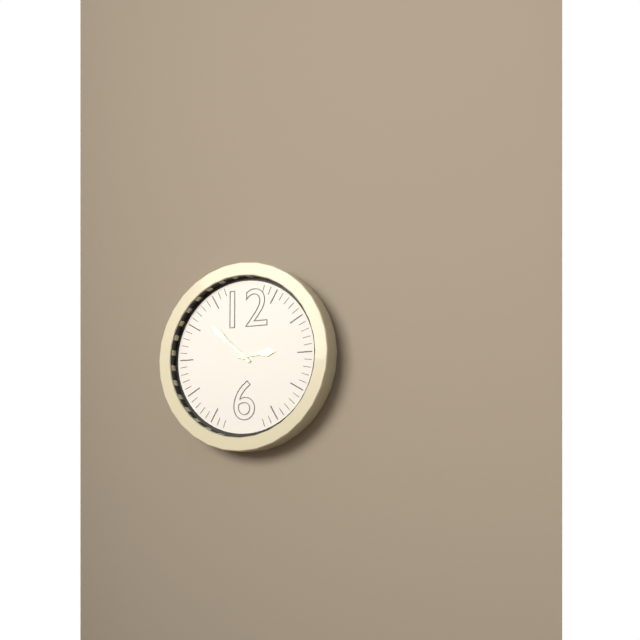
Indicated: 2:52
